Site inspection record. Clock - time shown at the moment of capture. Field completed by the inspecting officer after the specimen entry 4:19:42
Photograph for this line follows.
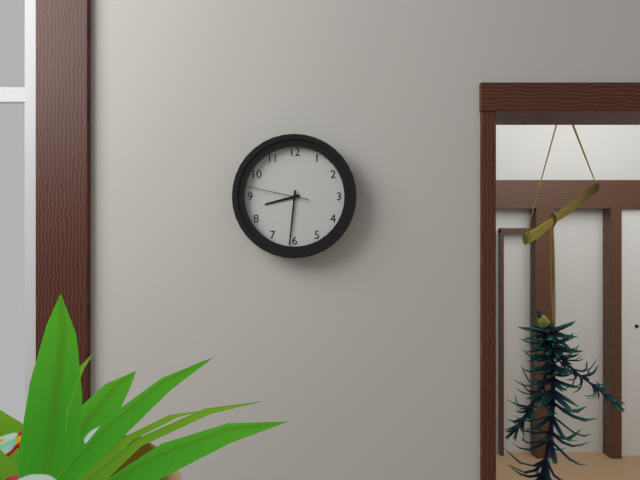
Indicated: 8:31:47
